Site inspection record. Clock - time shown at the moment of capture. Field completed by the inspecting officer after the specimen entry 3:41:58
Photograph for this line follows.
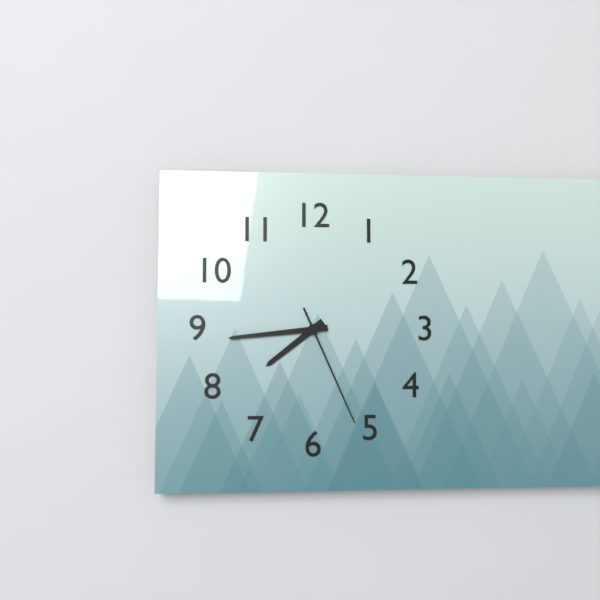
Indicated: 7:44:26
